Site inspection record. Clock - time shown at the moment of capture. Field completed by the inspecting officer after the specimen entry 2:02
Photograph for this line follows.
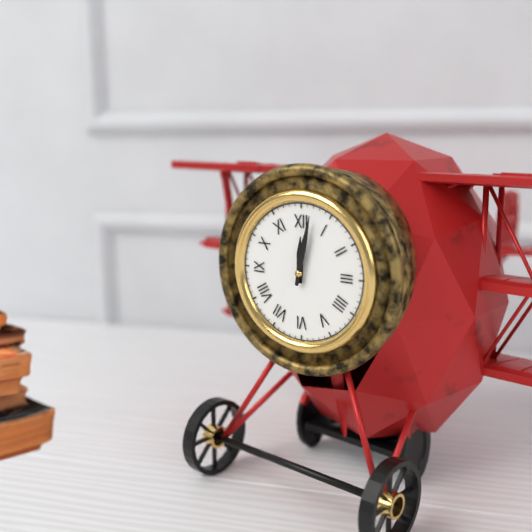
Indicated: 12:02
